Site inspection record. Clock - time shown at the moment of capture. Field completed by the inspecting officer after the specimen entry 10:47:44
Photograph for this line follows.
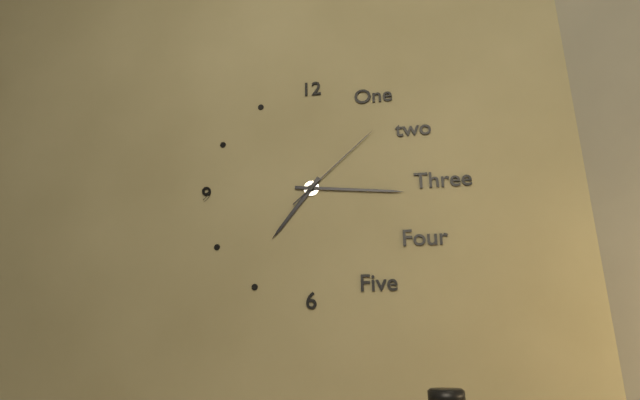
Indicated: 7:16:08
